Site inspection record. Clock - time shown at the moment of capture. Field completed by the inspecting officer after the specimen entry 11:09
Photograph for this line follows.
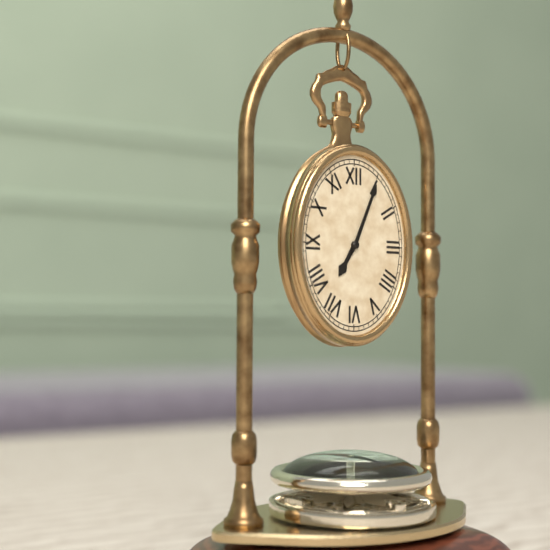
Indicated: 7:04
